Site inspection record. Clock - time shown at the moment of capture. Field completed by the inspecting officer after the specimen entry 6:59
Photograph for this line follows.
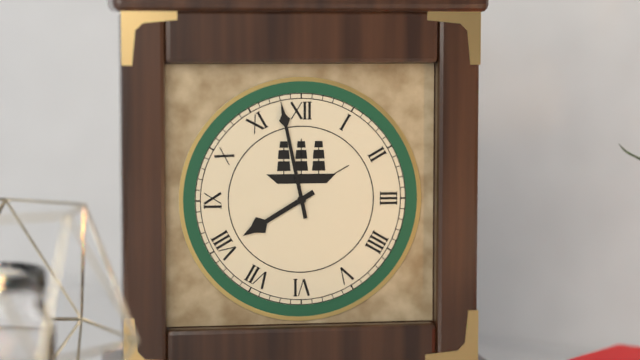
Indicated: 7:58
